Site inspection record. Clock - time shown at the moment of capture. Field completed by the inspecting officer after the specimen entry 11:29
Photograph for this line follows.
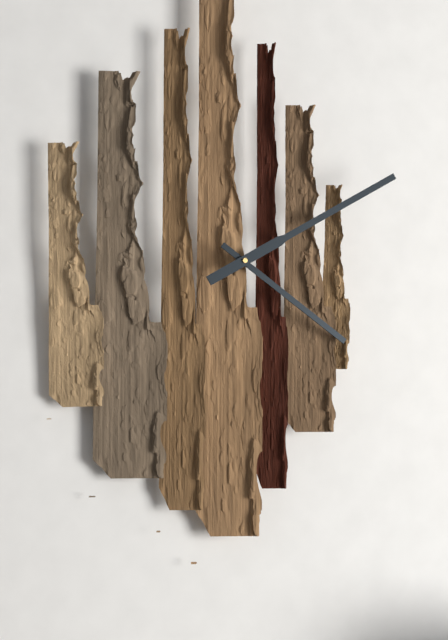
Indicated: 4:10
